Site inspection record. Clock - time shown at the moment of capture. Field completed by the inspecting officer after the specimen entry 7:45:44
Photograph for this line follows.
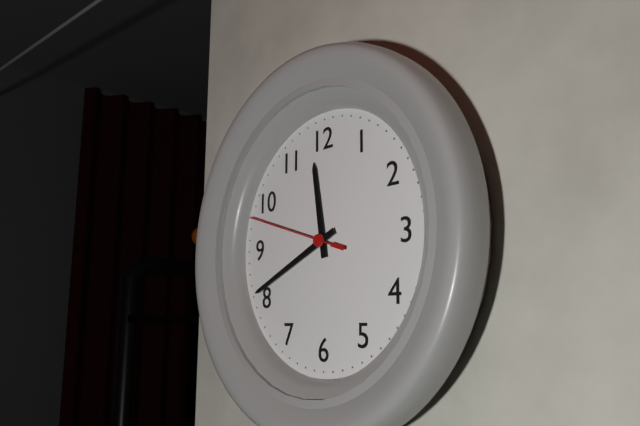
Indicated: 11:41:48
